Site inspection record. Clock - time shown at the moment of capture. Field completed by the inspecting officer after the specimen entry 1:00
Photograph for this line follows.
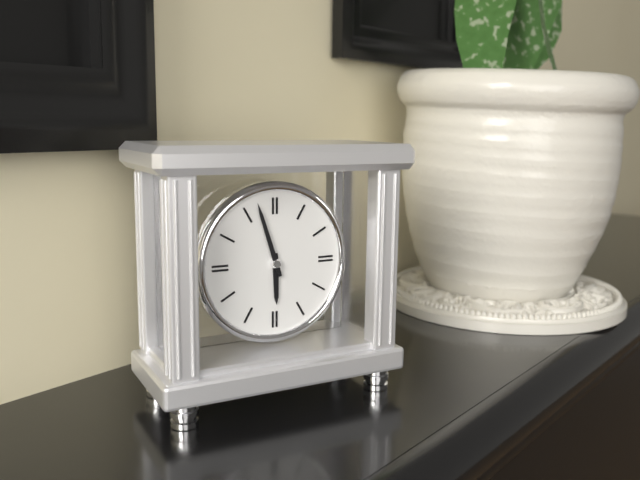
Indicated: 5:57
